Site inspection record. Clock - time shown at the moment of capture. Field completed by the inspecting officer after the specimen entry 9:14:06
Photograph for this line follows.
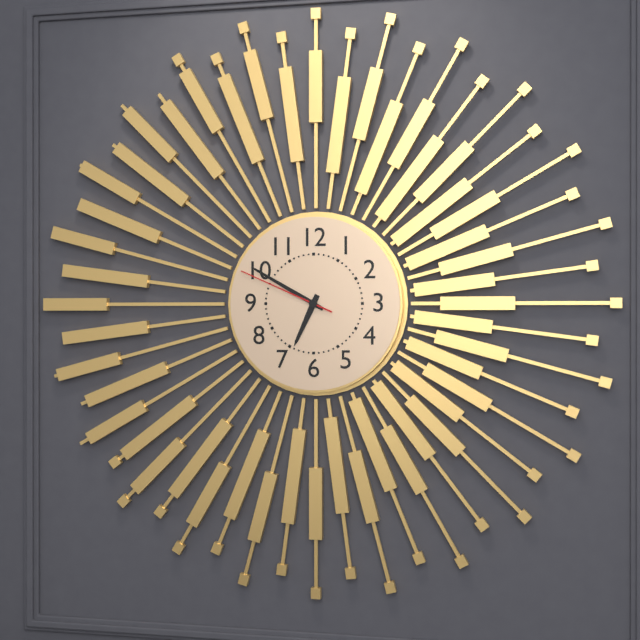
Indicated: 6:50:49
